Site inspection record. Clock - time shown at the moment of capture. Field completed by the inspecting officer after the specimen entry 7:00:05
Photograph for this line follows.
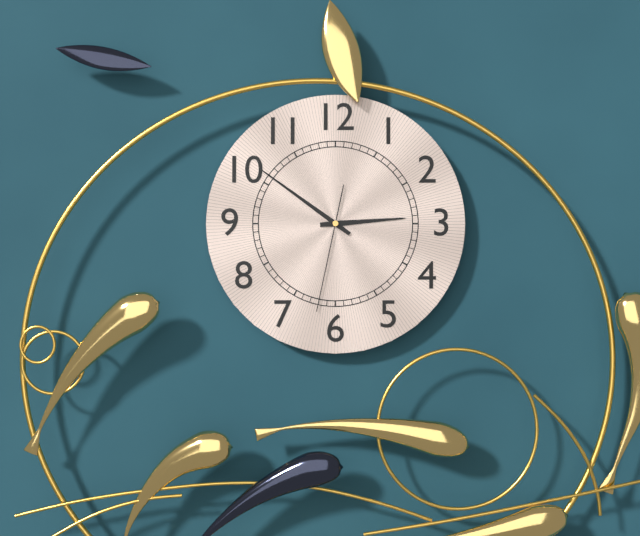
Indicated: 2:51:32
